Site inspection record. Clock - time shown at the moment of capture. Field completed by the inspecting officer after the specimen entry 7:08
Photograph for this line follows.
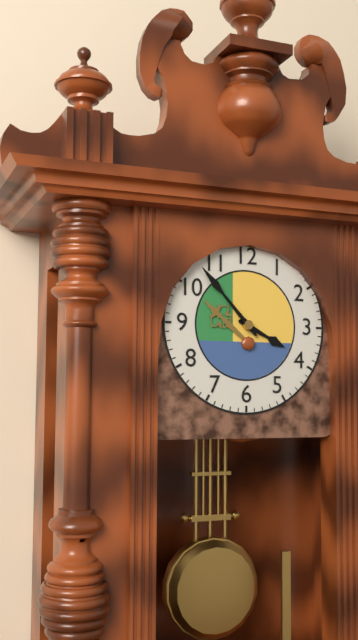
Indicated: 3:53
